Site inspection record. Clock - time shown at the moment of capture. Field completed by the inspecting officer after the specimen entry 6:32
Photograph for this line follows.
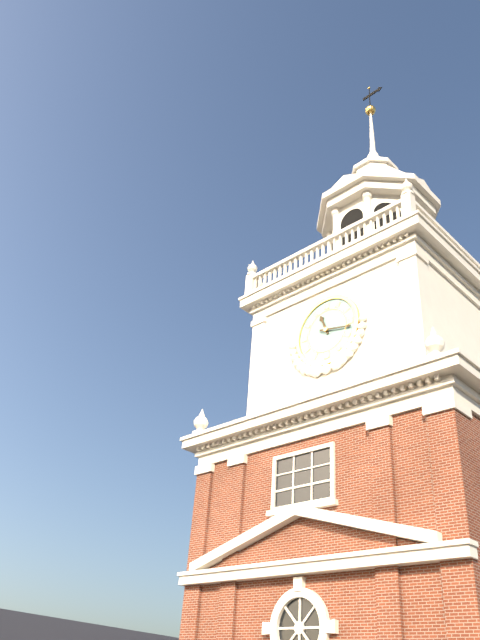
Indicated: 11:17
